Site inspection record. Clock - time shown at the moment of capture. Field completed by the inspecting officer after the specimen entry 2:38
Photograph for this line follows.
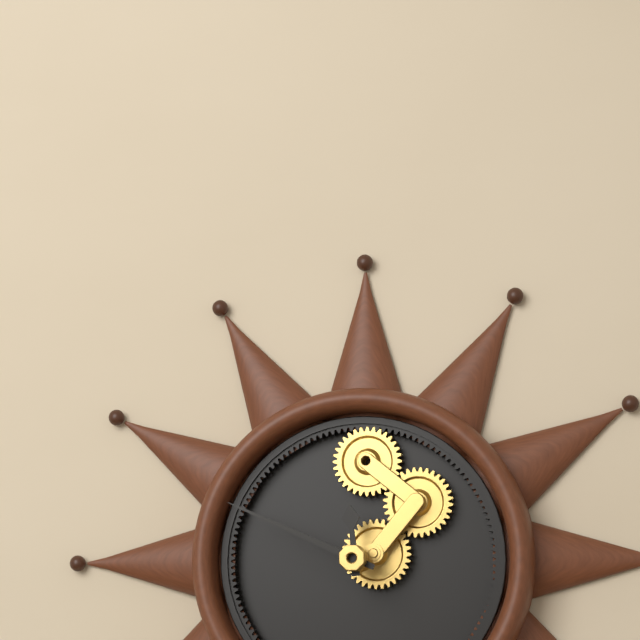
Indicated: 11:49
